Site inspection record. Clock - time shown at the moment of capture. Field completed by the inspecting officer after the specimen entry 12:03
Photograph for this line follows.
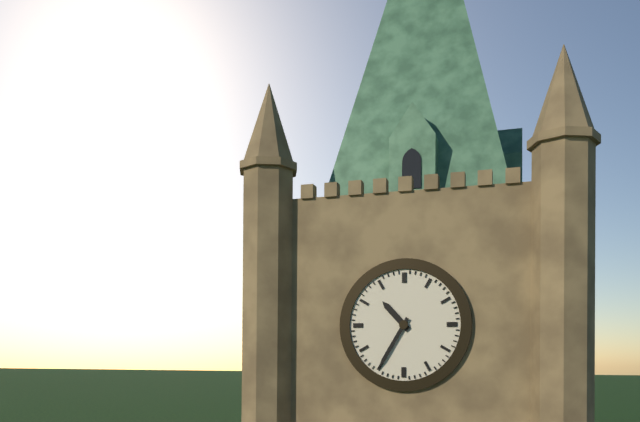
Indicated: 10:35
